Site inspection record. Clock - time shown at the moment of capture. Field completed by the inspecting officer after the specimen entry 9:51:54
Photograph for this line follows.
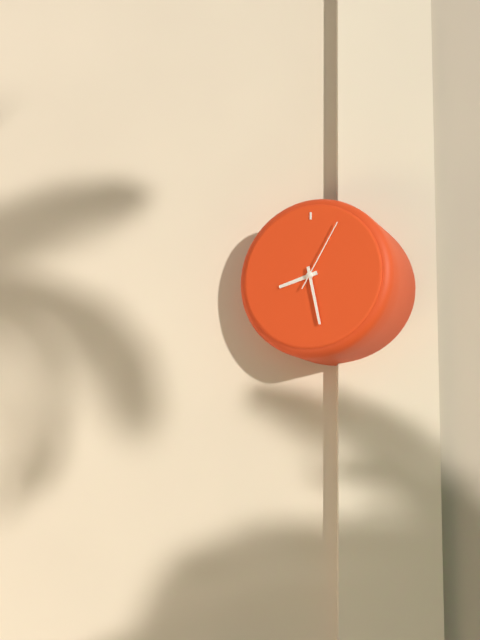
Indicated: 8:28:05
